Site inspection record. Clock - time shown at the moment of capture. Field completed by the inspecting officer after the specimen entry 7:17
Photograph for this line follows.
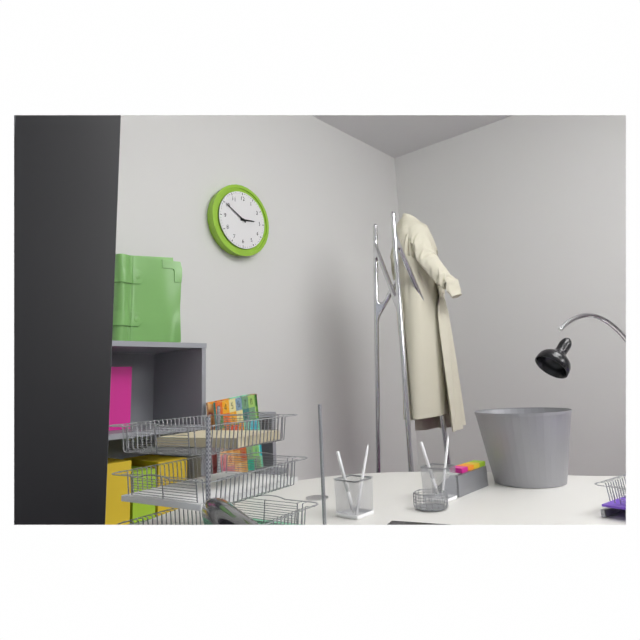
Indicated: 2:50
